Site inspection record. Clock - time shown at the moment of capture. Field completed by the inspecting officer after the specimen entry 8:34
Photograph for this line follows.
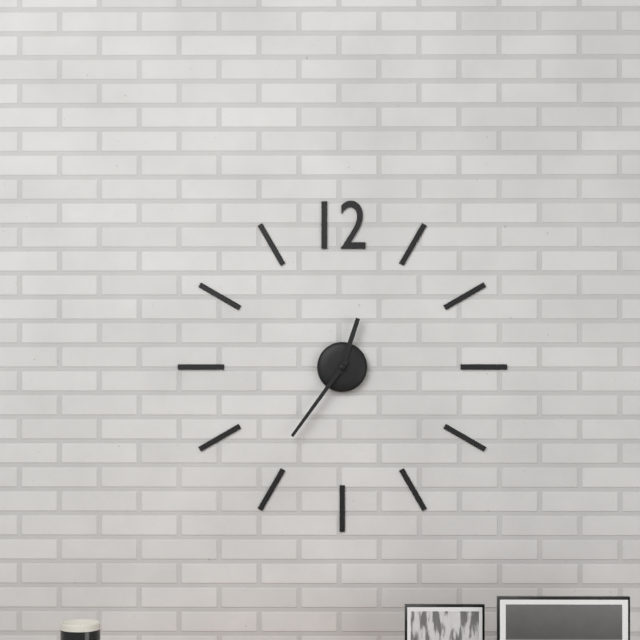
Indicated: 12:36
